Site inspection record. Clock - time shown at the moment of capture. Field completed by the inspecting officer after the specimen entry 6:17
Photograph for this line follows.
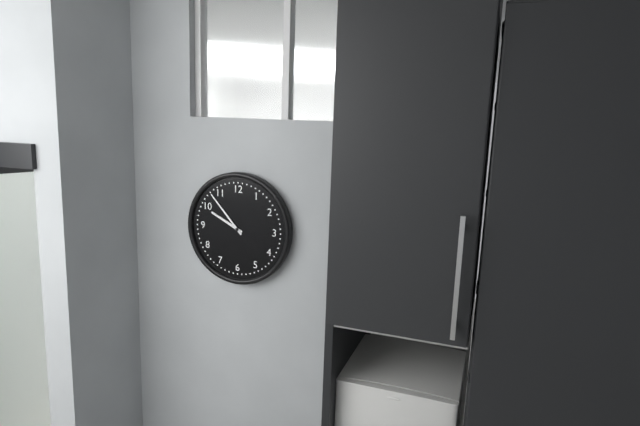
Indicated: 9:53
